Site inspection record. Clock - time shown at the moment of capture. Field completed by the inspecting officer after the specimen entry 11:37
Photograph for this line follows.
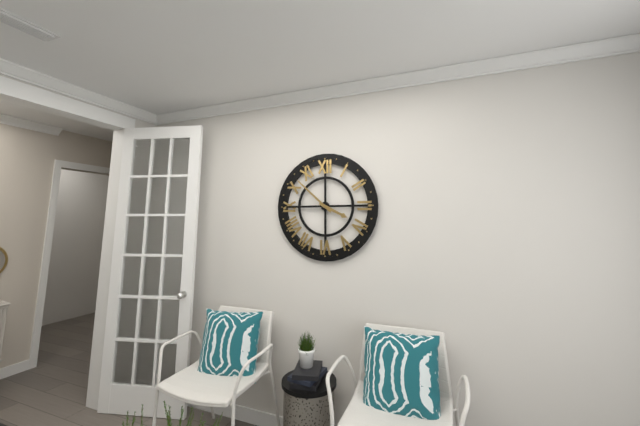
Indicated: 3:52
